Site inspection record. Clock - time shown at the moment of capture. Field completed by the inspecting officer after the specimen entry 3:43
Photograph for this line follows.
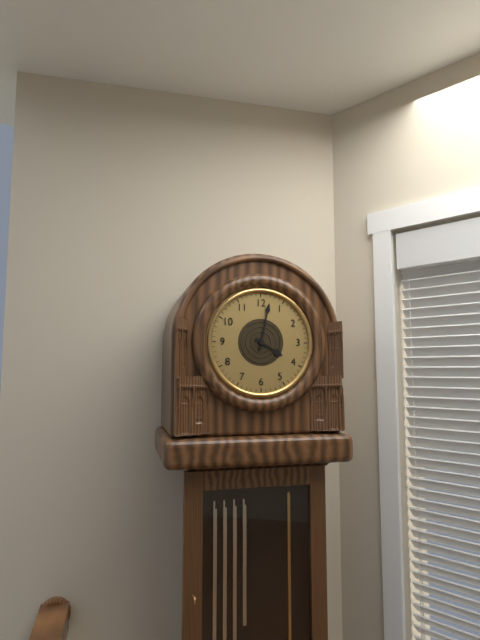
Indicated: 4:02
